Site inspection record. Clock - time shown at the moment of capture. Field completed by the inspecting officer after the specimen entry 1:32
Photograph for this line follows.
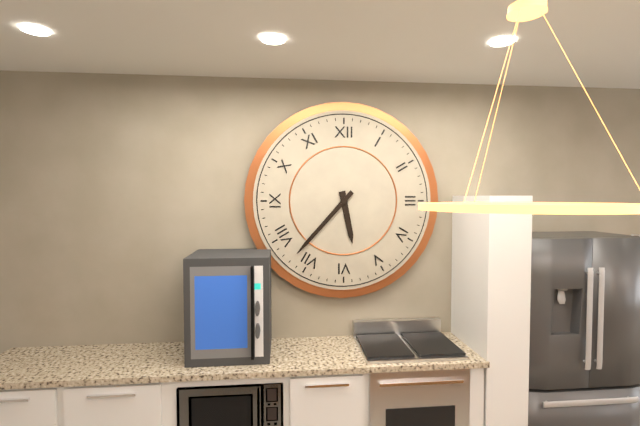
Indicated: 5:37
